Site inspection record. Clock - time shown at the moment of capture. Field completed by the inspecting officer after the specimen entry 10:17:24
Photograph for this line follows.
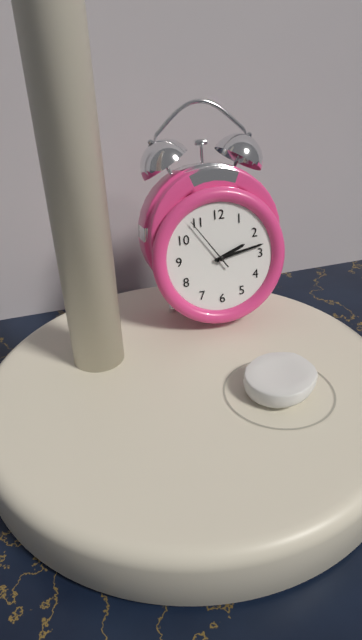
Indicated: 2:13:54
